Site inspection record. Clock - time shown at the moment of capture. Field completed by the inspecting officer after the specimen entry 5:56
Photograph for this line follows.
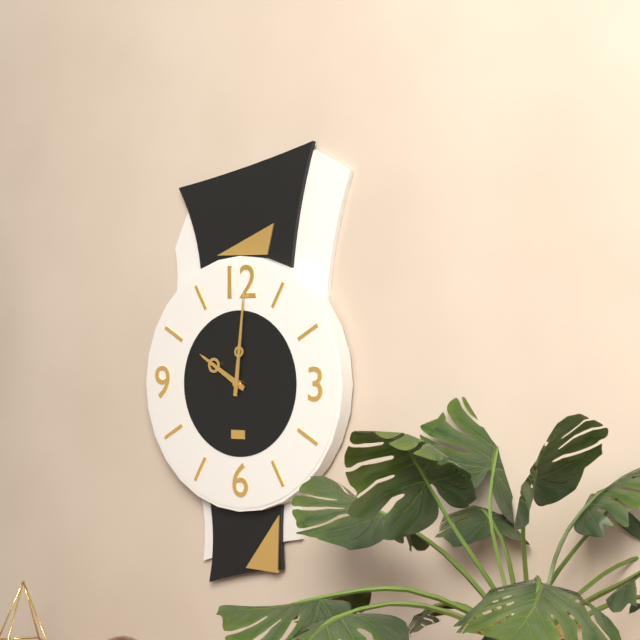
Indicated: 10:01
